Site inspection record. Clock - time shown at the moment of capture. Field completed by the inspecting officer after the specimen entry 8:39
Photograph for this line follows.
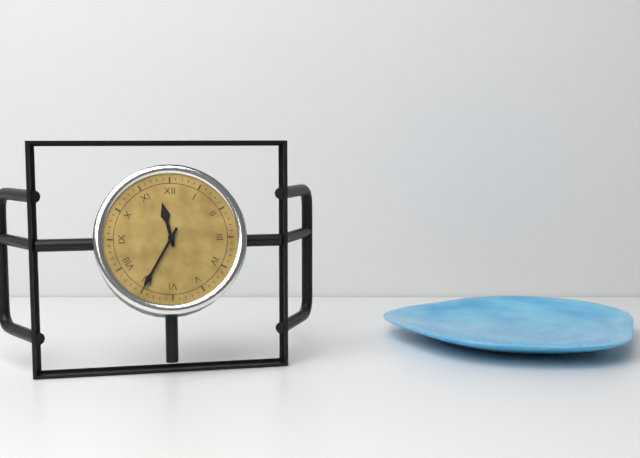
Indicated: 11:35
